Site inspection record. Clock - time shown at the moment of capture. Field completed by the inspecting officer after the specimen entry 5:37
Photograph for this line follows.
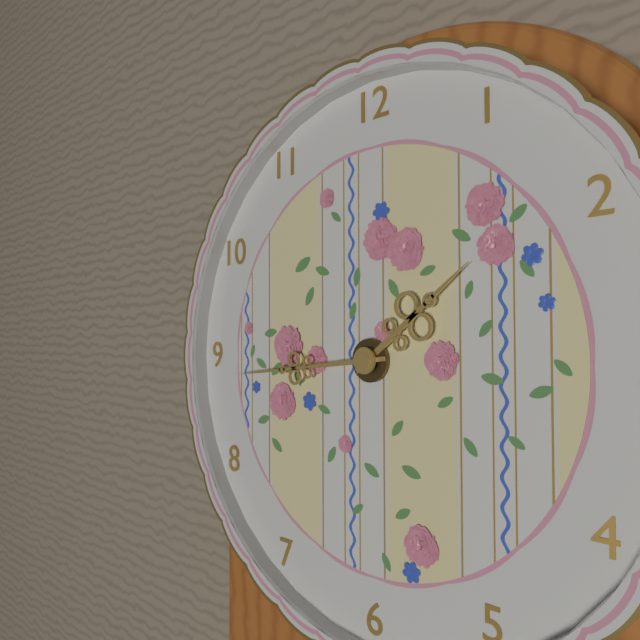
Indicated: 1:44
